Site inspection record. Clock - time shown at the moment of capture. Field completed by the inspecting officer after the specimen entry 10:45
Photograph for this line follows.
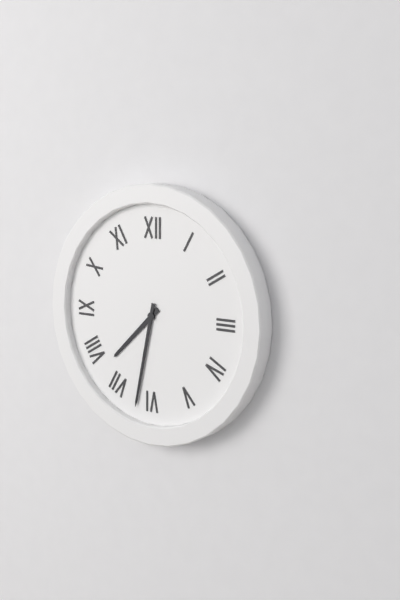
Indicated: 7:32
